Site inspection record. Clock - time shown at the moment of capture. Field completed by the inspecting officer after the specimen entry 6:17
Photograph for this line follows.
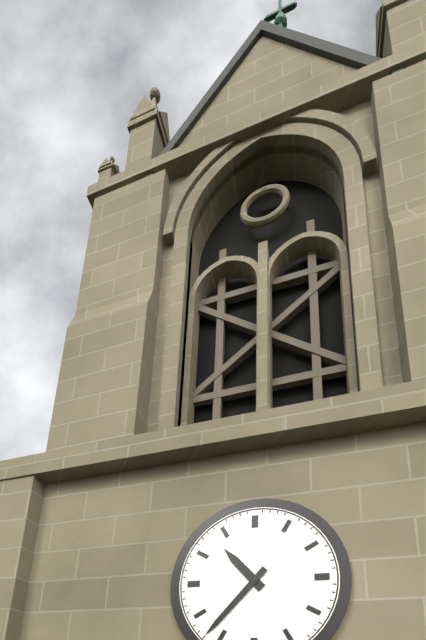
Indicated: 10:37
